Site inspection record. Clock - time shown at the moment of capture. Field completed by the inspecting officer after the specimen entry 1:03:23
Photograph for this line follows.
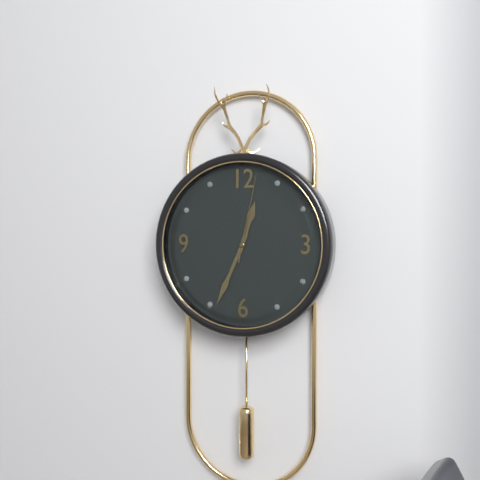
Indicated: 12:34:02
